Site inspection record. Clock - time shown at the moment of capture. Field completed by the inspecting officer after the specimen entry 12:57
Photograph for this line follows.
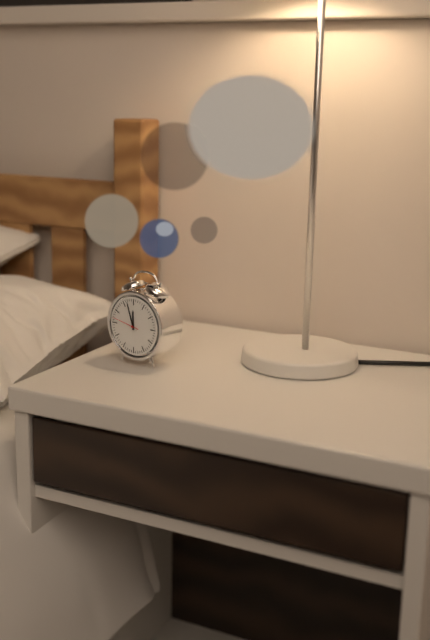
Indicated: 11:57
